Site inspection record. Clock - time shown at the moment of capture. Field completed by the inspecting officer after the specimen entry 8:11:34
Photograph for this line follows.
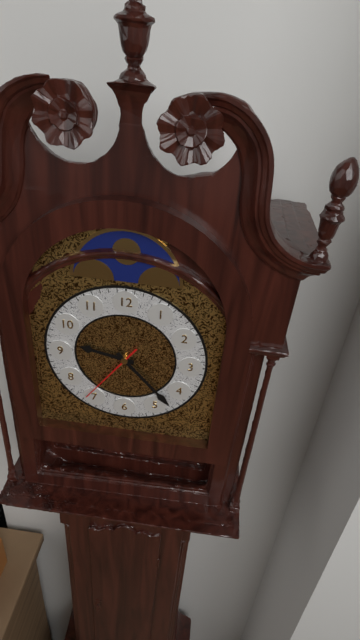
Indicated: 9:23:36
